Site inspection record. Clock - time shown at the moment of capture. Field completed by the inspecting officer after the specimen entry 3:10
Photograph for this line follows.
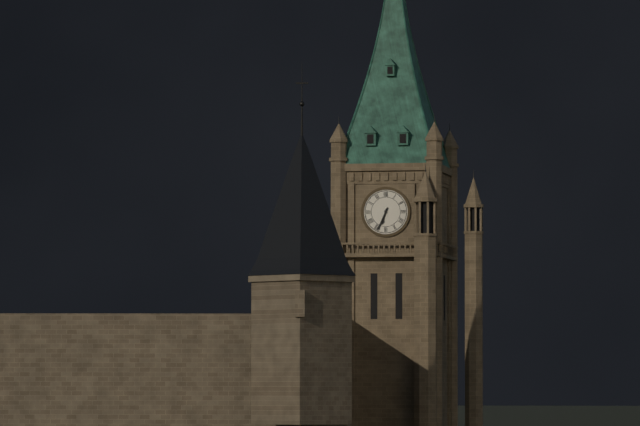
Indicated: 6:34
